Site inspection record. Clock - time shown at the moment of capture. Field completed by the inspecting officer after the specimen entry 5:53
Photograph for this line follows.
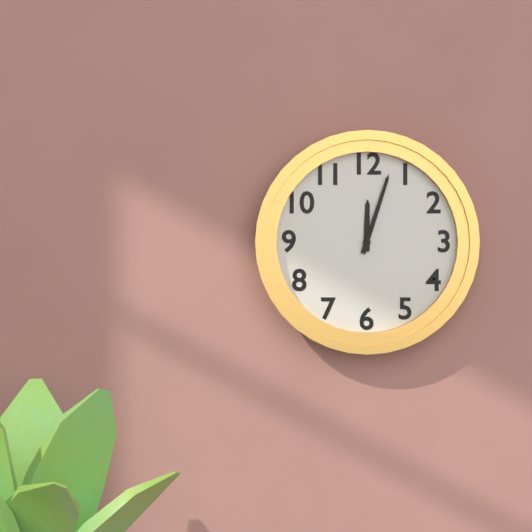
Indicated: 12:03
